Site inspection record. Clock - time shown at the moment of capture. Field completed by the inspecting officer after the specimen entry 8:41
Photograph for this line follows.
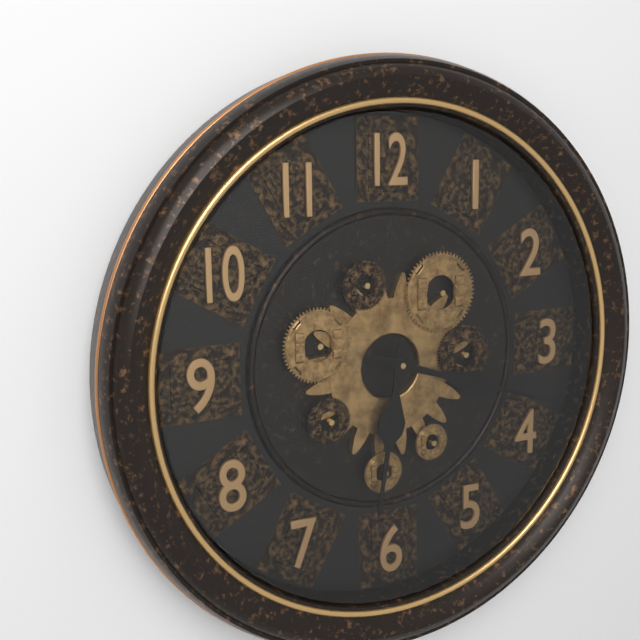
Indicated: 6:18
